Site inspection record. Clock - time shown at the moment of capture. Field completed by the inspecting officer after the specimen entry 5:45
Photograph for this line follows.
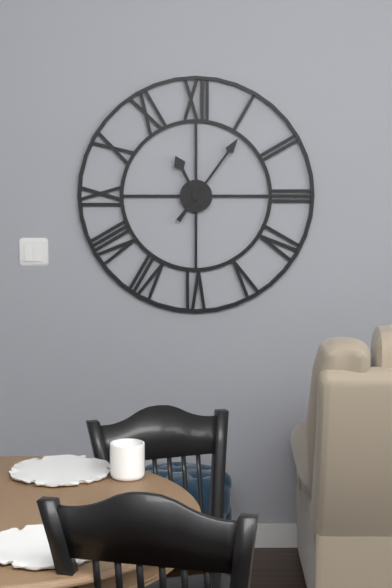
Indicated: 11:06
